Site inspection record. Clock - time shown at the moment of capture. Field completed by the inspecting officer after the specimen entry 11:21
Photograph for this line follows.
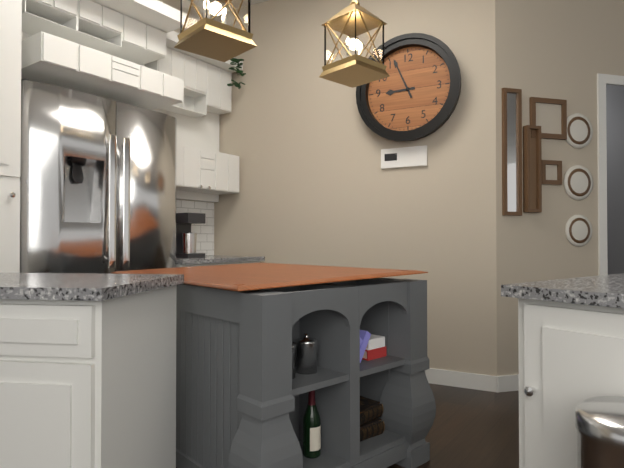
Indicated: 8:56
